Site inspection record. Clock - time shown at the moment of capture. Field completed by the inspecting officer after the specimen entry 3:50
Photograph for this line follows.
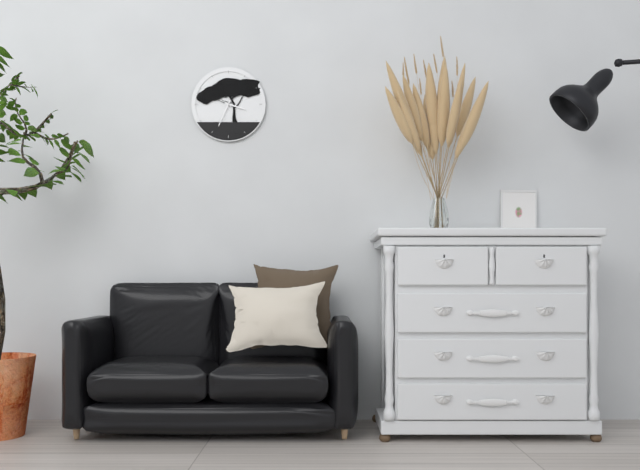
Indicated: 3:34
